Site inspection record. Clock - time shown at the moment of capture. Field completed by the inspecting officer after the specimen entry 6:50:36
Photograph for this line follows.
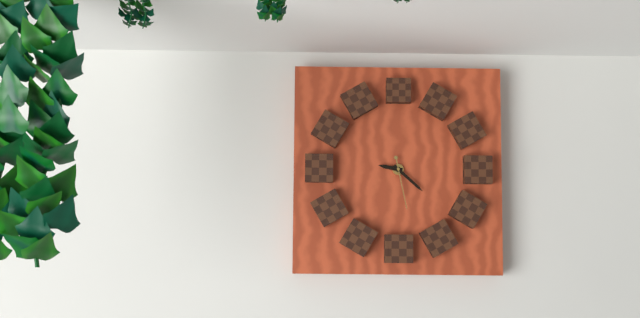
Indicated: 9:22:28
